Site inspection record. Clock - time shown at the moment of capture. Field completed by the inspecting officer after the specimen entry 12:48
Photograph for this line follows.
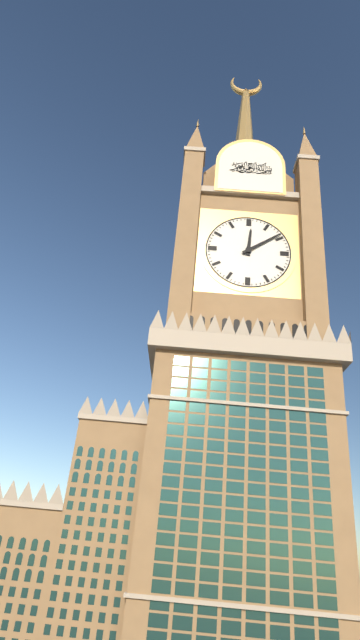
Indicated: 12:09
